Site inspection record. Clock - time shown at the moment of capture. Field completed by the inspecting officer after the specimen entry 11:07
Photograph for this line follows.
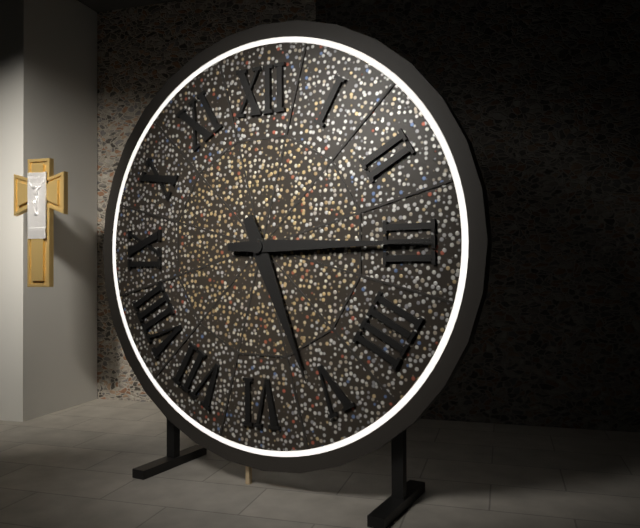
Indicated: 5:15
